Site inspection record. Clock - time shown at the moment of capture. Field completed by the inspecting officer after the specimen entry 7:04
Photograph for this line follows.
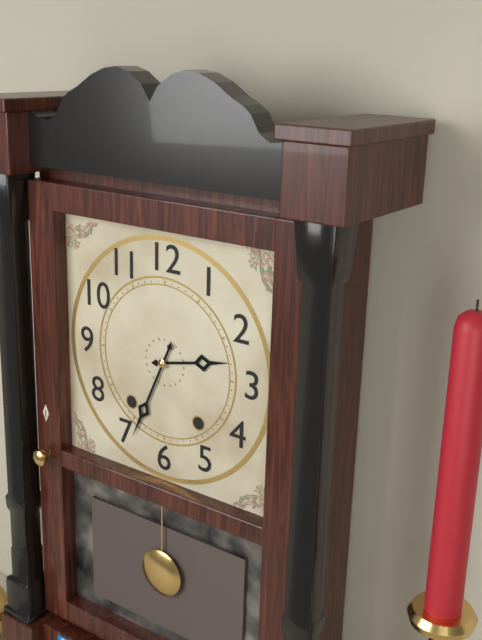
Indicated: 2:34
